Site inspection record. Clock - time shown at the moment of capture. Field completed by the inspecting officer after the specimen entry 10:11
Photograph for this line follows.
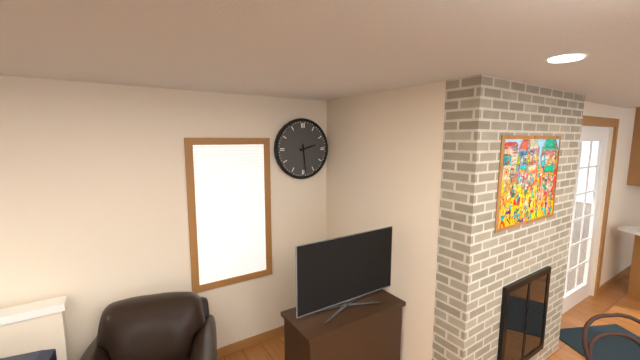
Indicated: 2:29
